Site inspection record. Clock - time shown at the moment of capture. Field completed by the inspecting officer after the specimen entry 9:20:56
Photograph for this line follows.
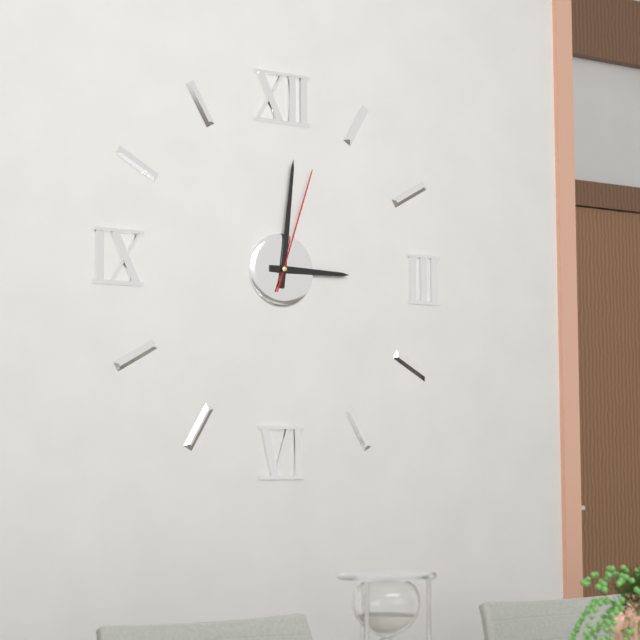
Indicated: 3:01:03
